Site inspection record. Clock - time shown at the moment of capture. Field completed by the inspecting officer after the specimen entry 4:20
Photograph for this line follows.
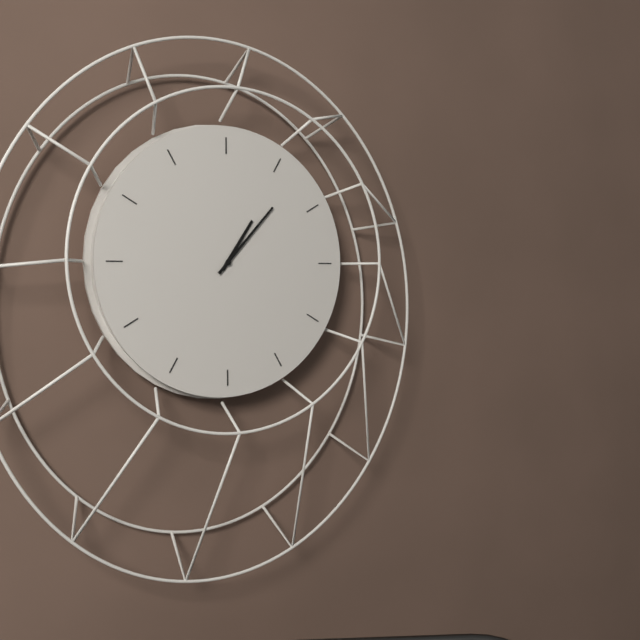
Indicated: 1:07
